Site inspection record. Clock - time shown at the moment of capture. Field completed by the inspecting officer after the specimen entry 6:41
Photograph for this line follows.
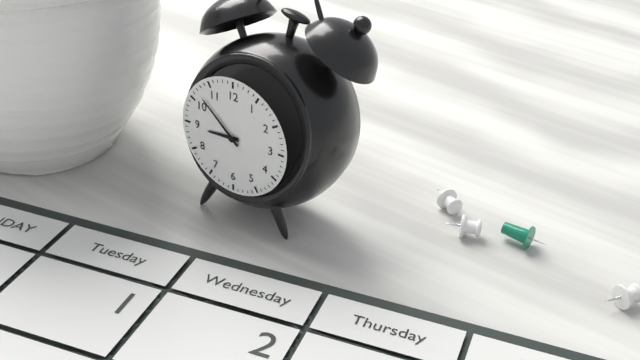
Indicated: 8:52
